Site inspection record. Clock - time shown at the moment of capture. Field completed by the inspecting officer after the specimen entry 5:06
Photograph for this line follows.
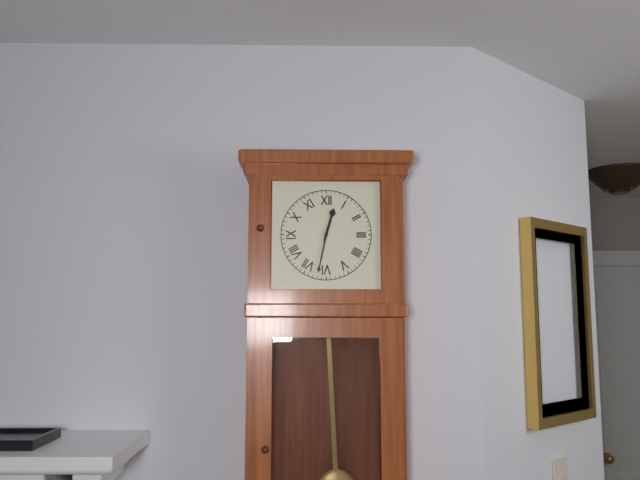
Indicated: 12:32
